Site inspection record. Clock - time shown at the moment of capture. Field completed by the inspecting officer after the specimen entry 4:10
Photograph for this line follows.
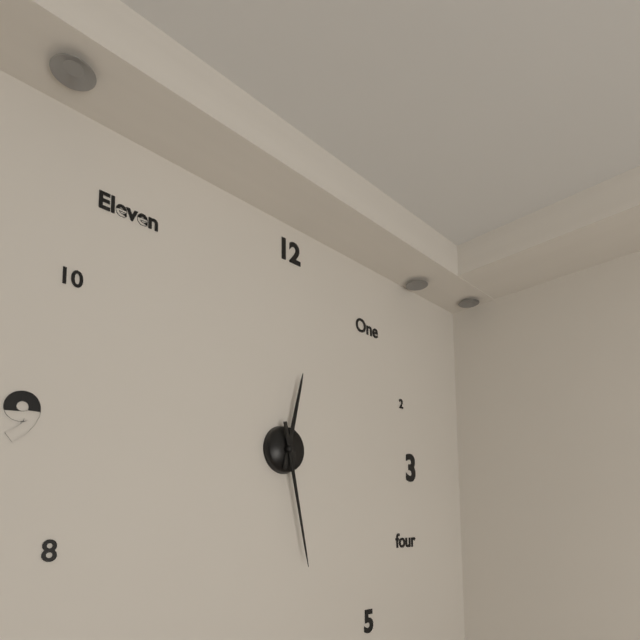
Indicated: 12:28
